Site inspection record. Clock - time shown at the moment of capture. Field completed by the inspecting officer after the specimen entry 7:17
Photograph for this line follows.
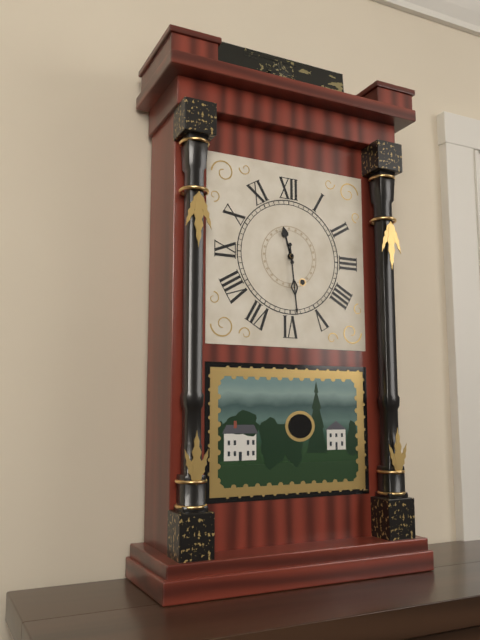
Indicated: 11:29
